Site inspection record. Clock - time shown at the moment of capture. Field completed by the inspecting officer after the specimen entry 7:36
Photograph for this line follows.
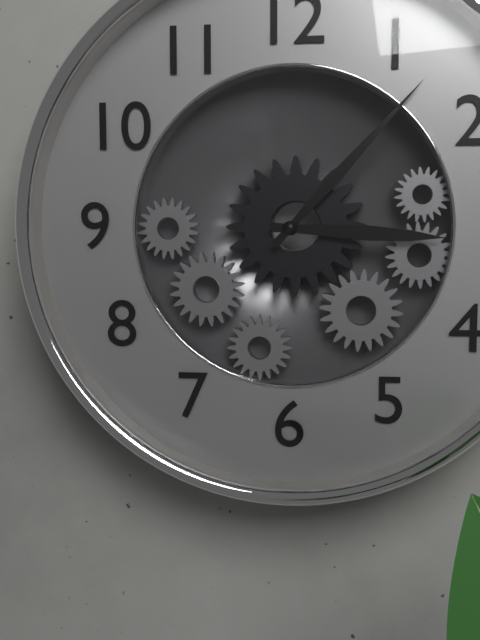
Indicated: 3:07
